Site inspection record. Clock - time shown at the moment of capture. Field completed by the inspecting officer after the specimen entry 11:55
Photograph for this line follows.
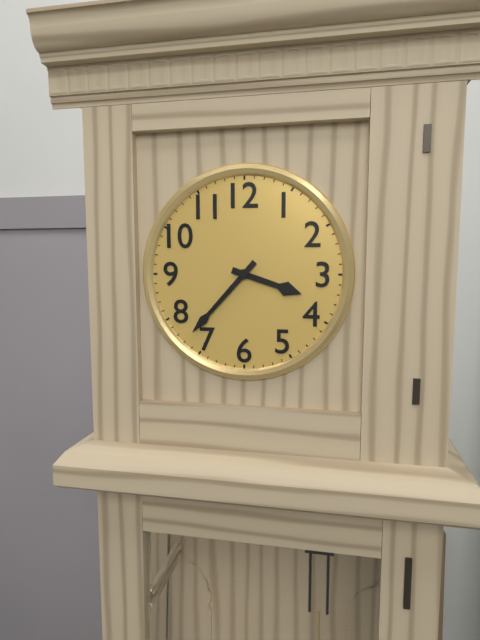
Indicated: 3:37
